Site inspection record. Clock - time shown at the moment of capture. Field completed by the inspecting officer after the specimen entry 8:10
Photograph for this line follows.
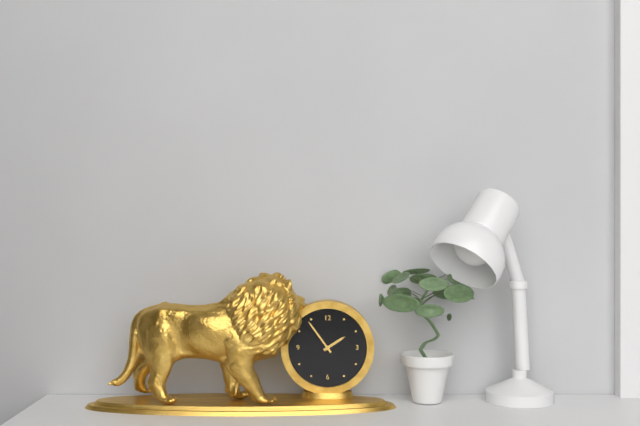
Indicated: 1:54
